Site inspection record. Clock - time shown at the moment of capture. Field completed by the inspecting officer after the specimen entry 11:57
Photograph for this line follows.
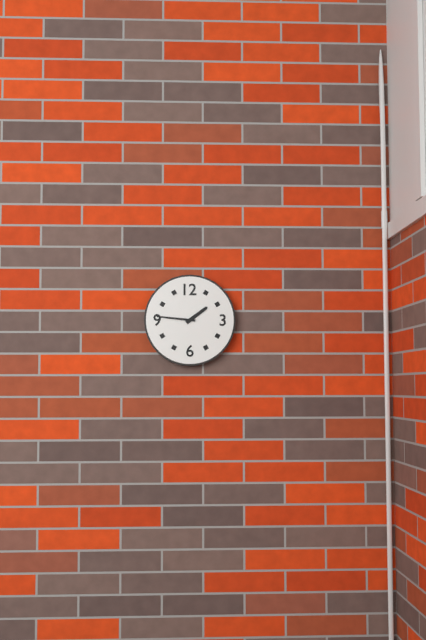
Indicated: 1:46
